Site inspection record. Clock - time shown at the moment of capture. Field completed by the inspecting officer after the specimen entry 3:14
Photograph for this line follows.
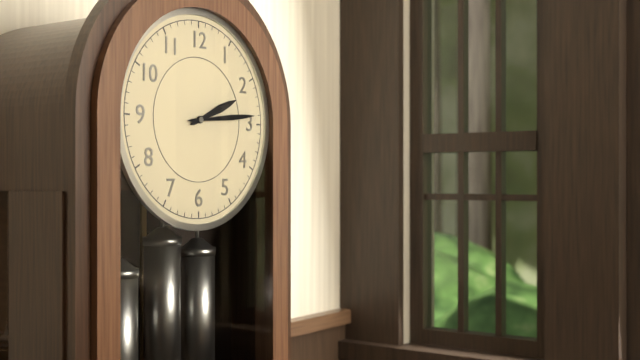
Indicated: 2:14
